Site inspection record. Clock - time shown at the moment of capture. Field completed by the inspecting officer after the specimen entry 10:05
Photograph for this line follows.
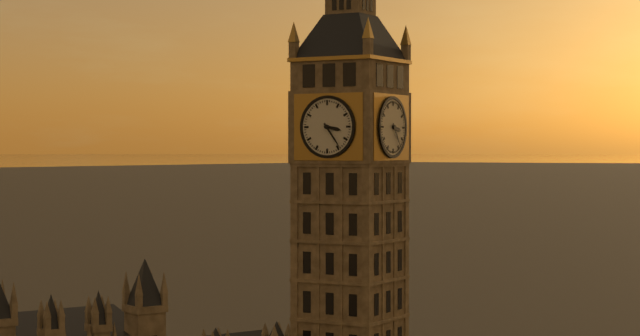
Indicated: 3:24
